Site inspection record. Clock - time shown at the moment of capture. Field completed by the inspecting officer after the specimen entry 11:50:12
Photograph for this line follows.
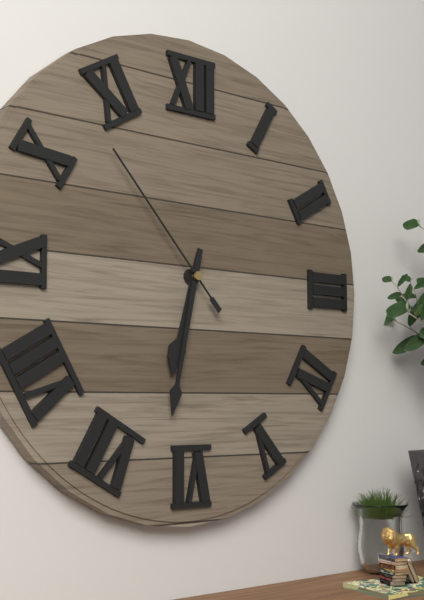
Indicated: 6:32:53
